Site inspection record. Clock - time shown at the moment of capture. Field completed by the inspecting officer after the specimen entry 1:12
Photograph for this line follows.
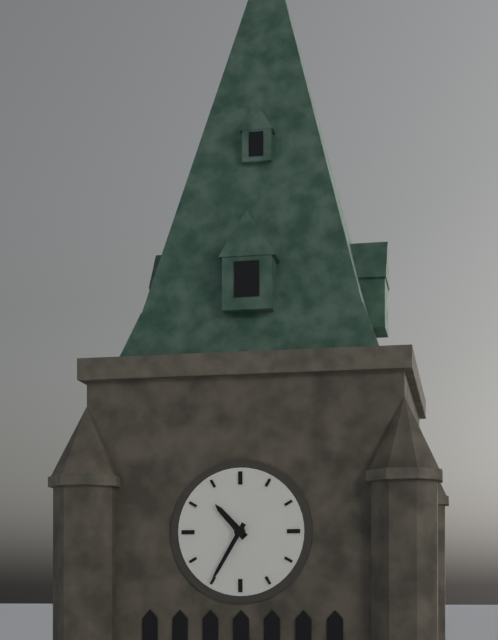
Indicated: 10:35
